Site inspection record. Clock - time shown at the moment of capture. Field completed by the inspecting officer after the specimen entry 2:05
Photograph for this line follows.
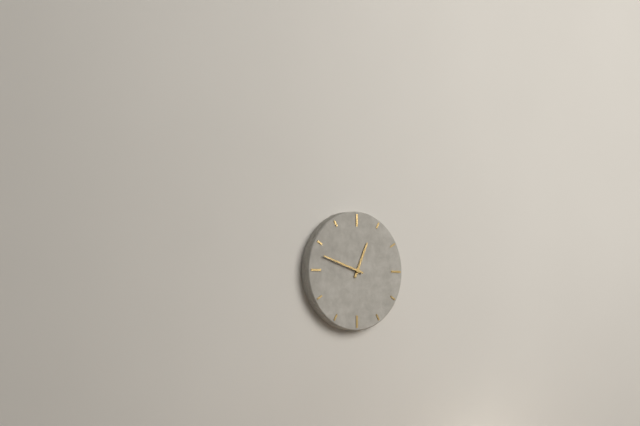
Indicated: 12:48
